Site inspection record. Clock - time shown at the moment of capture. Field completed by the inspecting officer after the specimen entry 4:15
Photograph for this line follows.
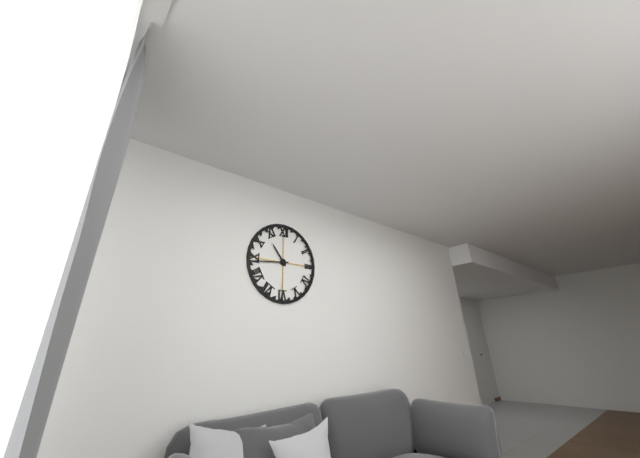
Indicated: 10:44
